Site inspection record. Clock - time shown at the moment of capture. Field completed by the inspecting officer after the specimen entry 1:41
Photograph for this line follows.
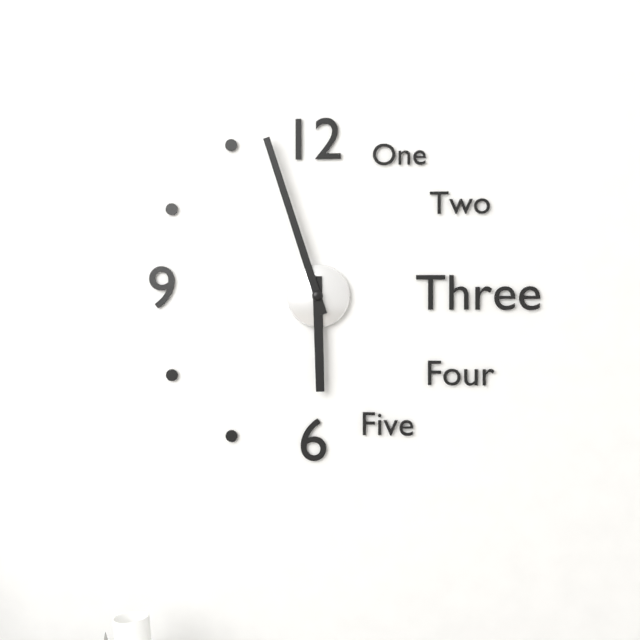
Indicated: 5:57
